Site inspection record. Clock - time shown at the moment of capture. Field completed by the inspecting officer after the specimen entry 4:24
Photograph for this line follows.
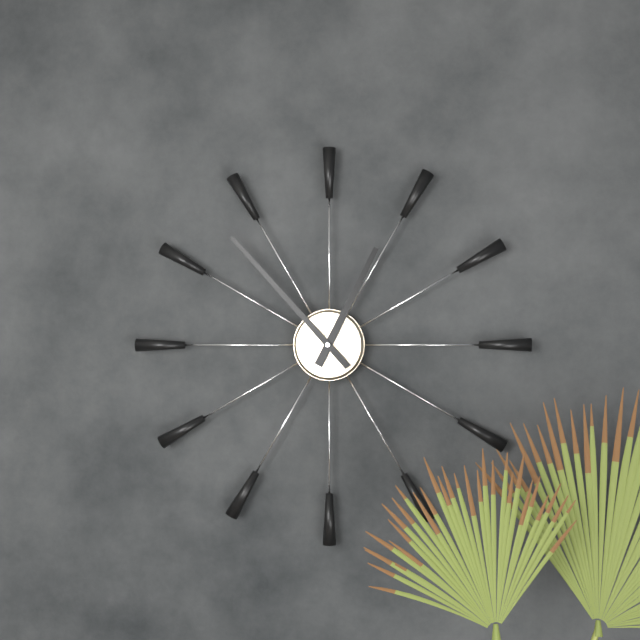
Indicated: 12:53
